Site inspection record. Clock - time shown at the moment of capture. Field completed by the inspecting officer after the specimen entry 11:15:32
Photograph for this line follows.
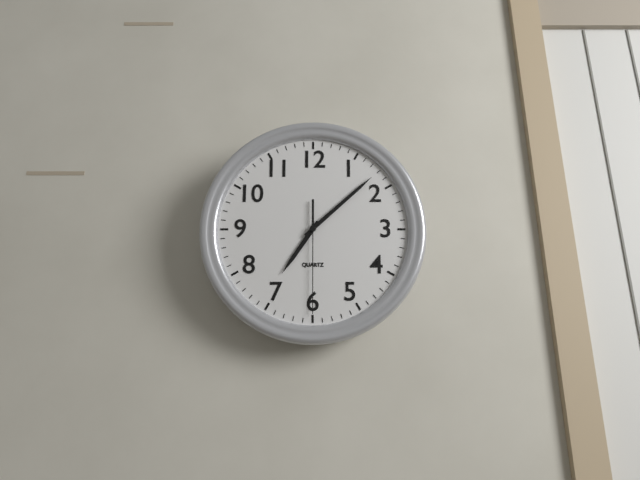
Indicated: 7:08:30
